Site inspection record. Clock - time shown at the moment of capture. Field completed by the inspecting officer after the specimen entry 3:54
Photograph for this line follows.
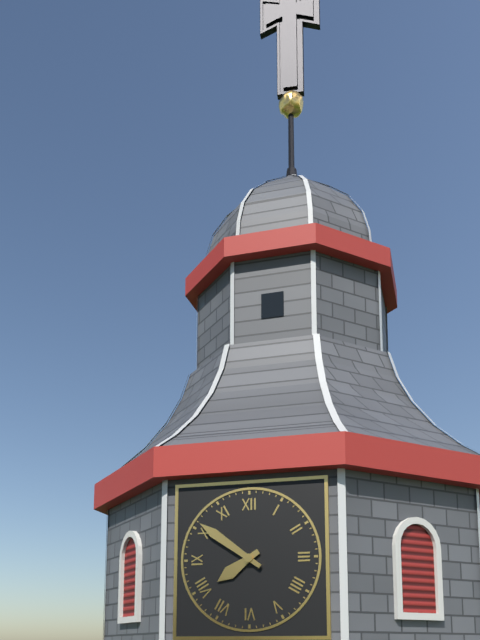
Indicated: 7:51
